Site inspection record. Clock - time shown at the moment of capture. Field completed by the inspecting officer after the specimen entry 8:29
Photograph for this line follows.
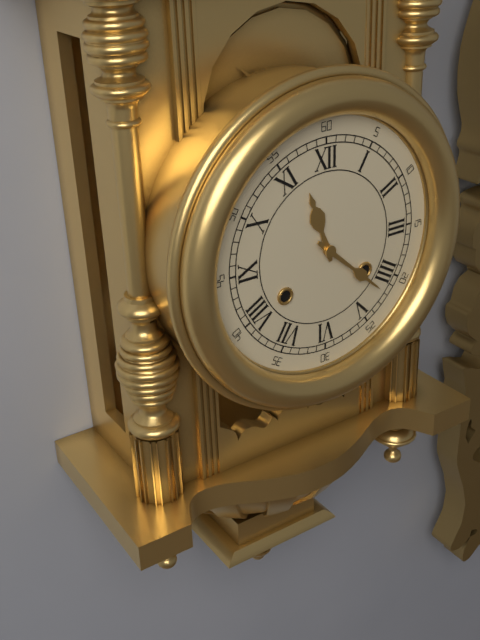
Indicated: 11:22
